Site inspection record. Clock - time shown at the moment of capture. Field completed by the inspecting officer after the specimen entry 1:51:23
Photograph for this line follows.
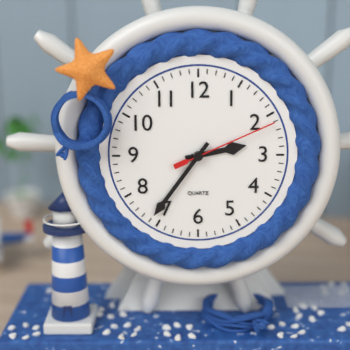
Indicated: 2:36:11
